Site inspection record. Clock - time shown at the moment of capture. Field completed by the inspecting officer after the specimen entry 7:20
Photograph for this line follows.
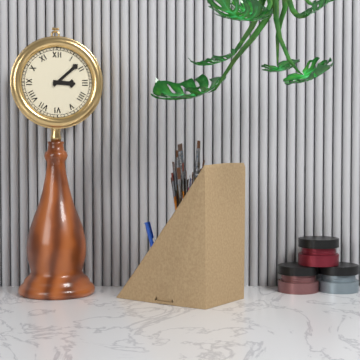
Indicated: 3:08
